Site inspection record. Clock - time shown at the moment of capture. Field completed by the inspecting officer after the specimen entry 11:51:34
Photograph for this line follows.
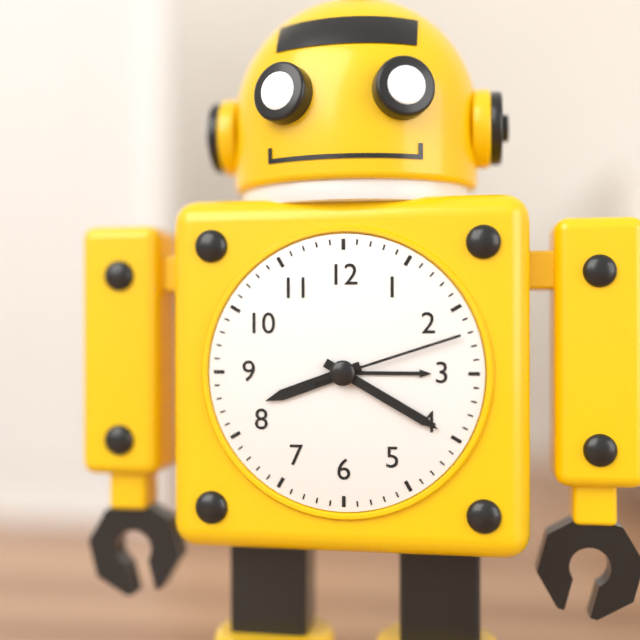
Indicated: 8:20:12
